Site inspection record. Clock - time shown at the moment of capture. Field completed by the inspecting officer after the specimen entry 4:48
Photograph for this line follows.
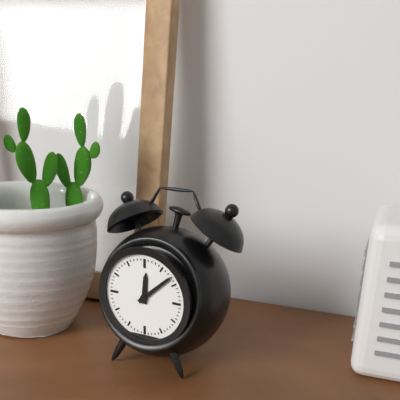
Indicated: 12:08
